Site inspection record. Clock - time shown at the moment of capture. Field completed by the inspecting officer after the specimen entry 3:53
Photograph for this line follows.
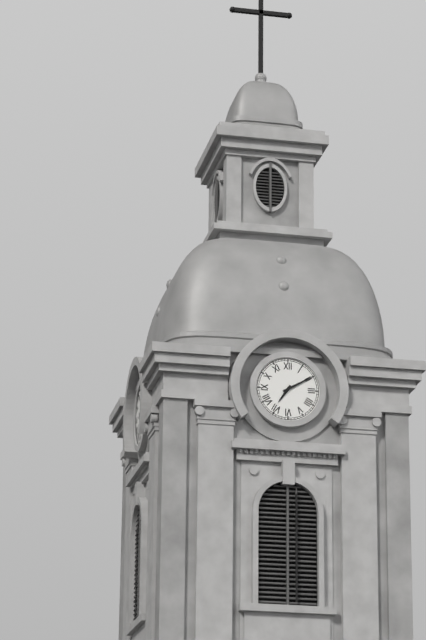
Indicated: 7:10
